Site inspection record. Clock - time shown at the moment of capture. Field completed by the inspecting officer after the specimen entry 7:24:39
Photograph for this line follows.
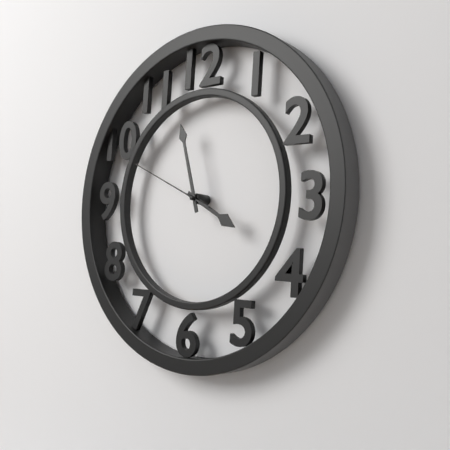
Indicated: 3:57:49
